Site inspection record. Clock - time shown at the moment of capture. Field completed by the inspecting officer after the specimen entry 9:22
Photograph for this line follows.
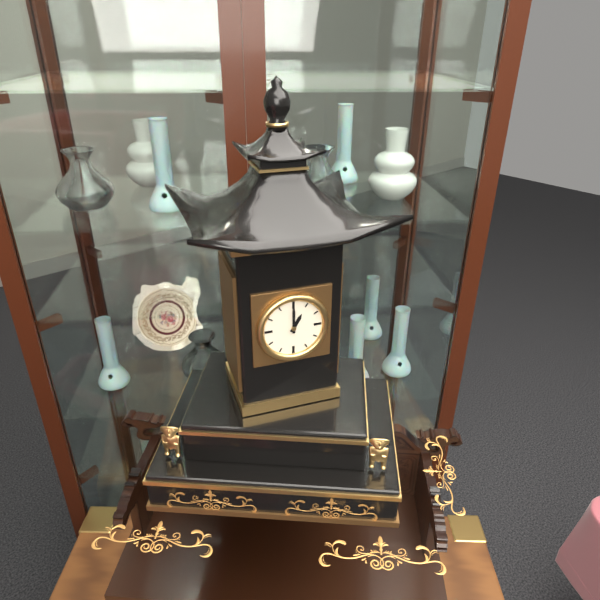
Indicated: 1:00
